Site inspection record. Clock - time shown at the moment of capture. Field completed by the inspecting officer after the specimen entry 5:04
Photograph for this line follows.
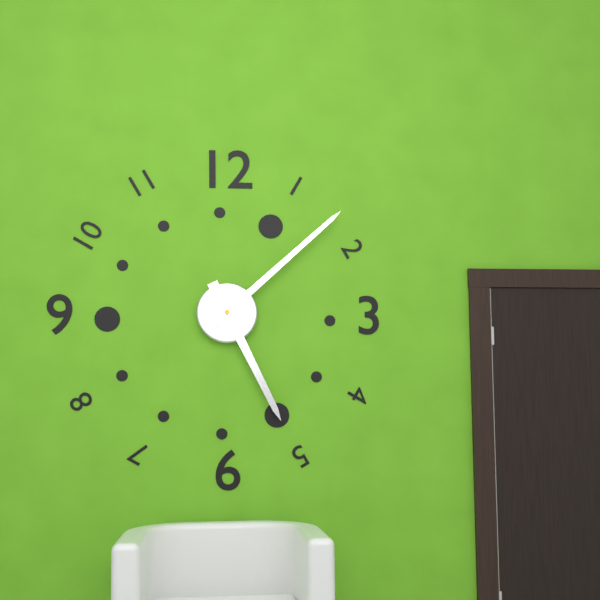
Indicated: 5:08
